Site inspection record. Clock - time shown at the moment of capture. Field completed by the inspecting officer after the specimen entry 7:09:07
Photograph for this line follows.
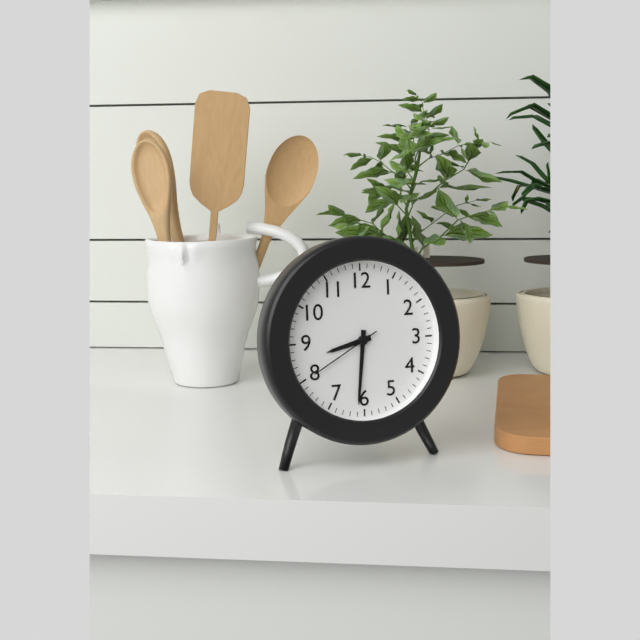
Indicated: 8:31:40
